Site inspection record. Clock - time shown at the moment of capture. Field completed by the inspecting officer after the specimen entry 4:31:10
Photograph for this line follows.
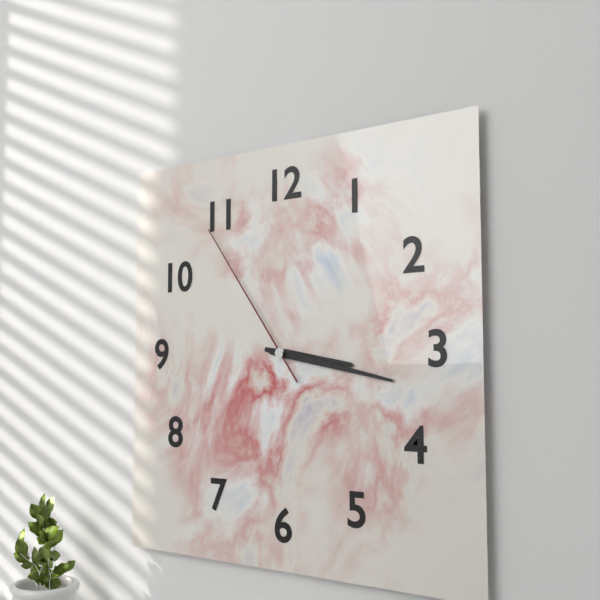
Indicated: 3:17:54
